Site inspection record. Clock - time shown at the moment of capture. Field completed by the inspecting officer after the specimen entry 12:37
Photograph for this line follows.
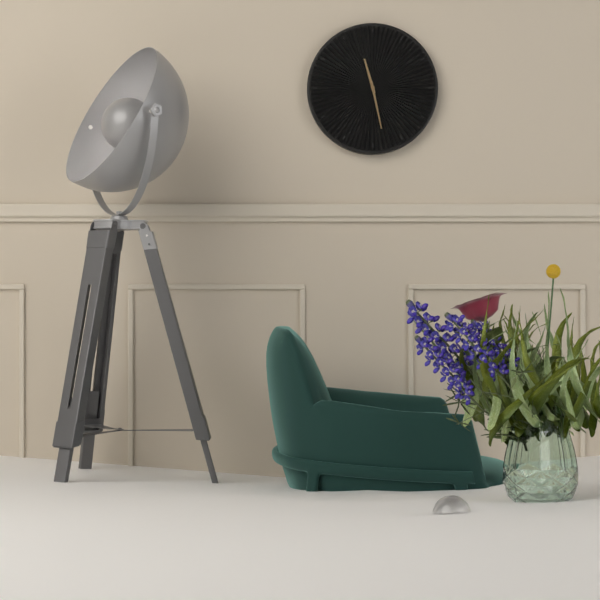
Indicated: 11:28
